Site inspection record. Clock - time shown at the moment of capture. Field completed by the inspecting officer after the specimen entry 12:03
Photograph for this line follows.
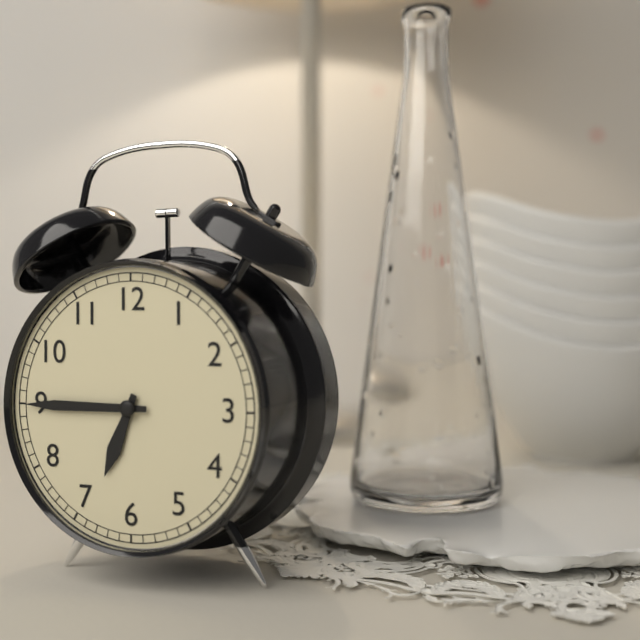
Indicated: 6:45
